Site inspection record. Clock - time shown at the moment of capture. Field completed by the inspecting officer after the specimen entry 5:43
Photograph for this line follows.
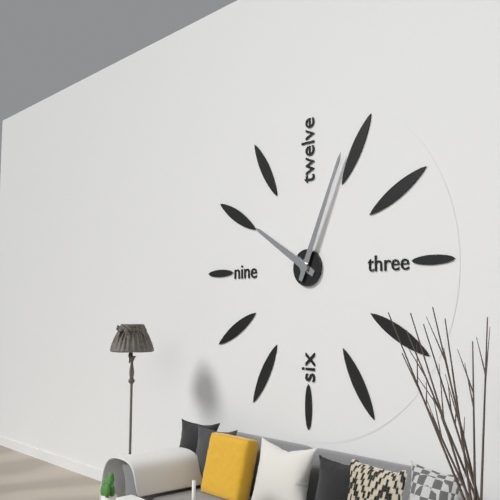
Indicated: 10:04
